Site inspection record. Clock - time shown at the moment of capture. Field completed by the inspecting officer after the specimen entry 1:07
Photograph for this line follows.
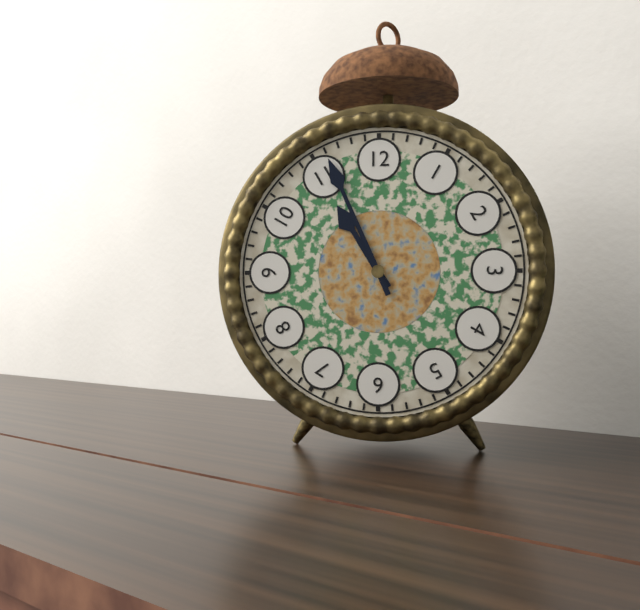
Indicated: 10:56
